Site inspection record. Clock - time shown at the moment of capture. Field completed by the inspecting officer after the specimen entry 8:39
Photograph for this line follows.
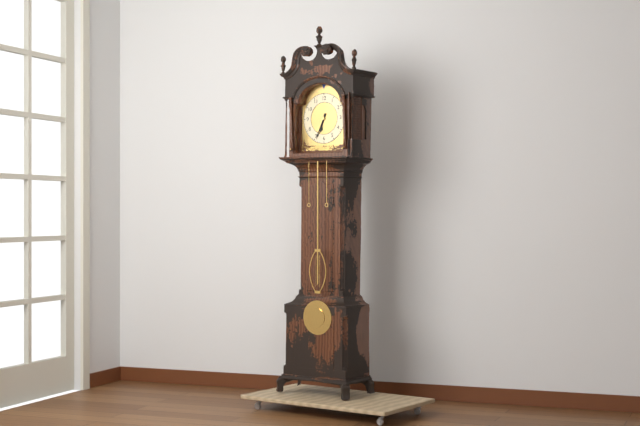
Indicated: 6:34
